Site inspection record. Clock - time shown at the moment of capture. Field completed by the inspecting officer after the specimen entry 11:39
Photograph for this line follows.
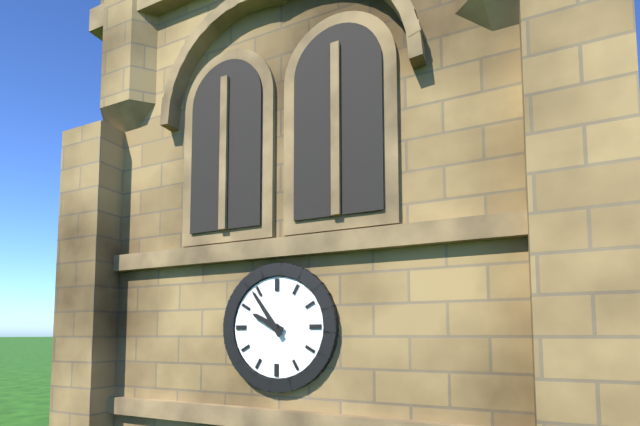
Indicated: 9:54
